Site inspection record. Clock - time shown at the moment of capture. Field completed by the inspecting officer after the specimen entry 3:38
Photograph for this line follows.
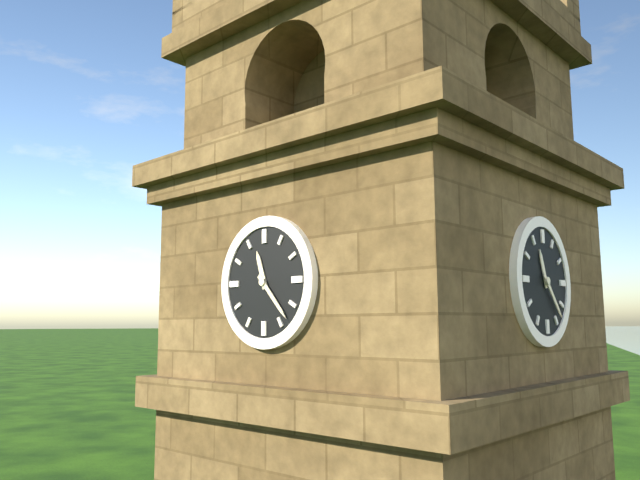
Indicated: 11:23
